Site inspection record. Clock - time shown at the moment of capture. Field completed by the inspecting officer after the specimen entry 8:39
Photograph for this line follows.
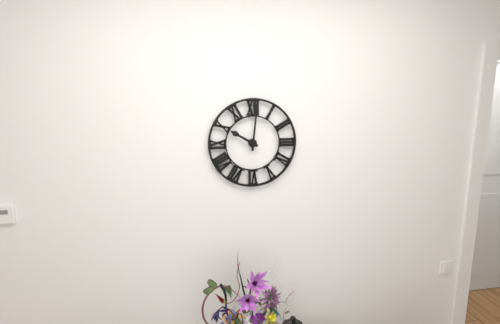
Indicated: 10:01
